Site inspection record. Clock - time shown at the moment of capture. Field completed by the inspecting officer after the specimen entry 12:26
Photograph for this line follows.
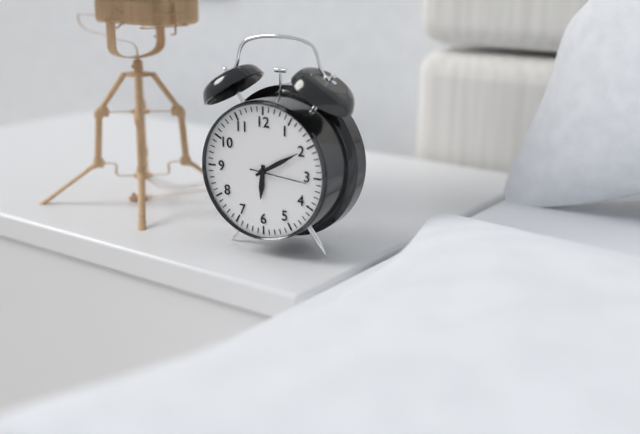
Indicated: 6:10
